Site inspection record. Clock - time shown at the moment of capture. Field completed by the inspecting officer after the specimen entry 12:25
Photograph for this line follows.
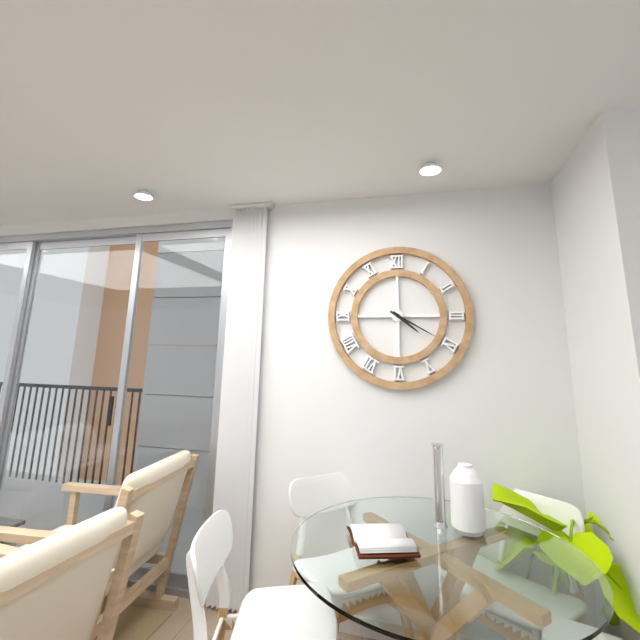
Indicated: 4:20
